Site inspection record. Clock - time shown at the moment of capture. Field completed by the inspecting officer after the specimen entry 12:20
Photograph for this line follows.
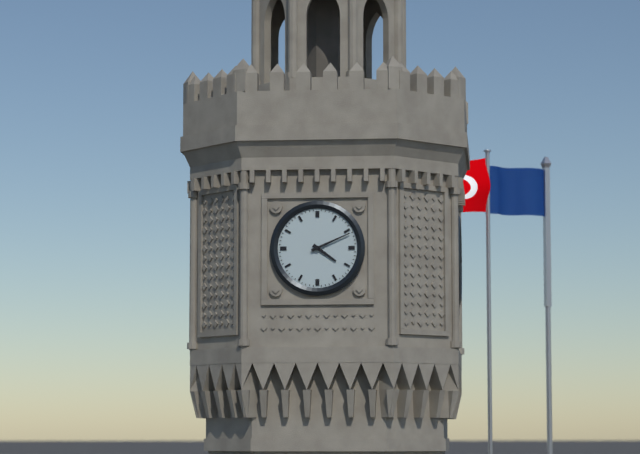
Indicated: 4:11
